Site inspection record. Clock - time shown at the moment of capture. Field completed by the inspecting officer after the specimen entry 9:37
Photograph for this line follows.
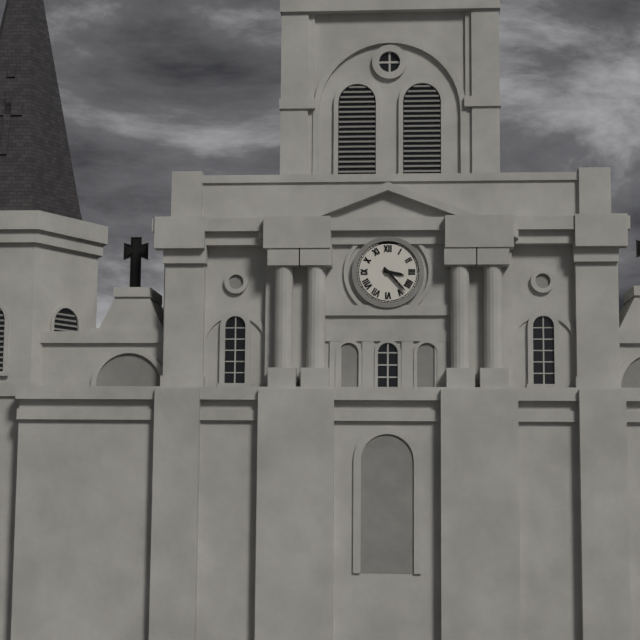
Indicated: 3:23
